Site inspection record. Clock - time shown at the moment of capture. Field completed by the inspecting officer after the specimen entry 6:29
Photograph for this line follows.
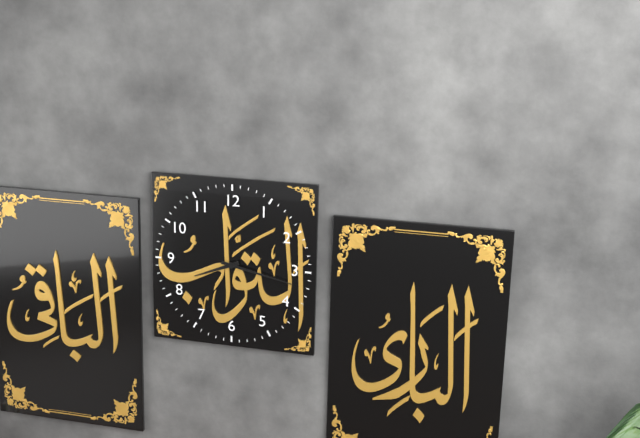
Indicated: 8:17
